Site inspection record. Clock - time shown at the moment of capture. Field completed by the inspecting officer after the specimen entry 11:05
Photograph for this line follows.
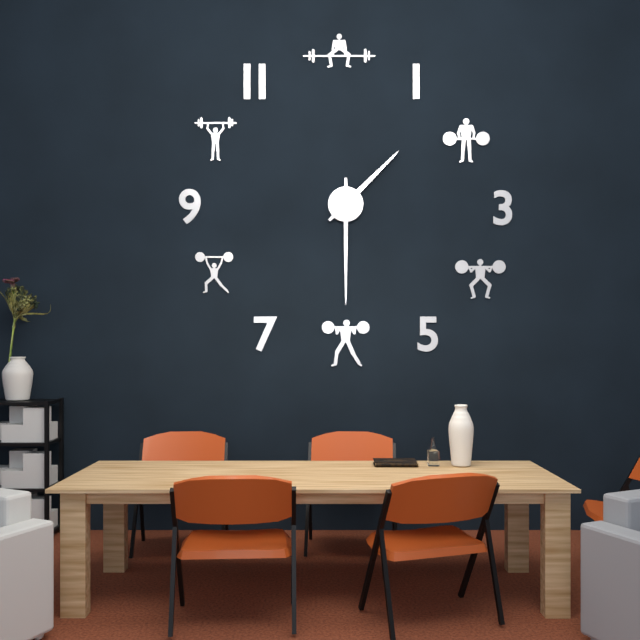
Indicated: 1:30
